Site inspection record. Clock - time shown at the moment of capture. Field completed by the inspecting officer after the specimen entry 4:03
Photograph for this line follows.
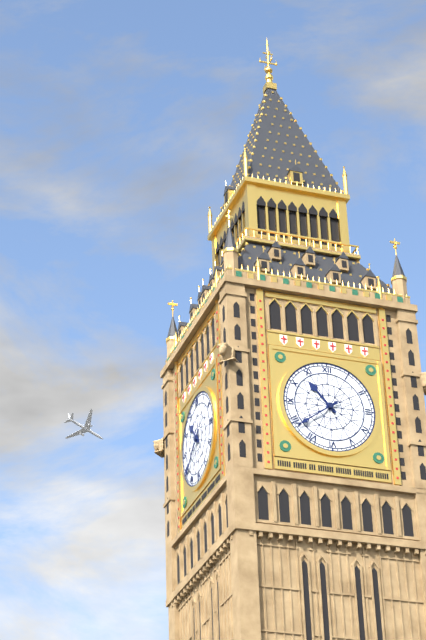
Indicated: 10:39
